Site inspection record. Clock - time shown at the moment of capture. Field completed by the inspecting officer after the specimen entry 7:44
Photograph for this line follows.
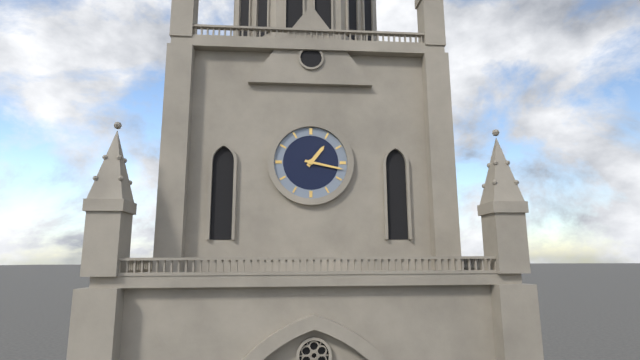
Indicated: 1:17
